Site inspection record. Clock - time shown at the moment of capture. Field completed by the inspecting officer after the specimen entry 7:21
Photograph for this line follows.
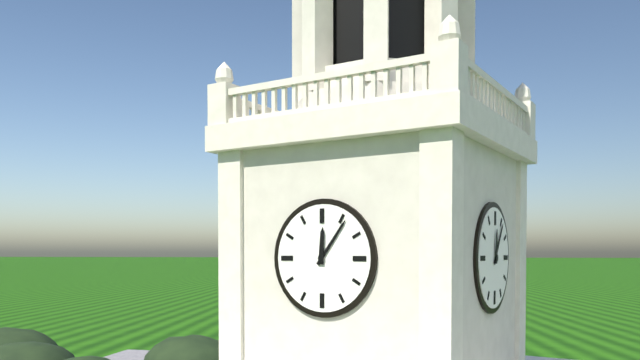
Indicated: 12:06
